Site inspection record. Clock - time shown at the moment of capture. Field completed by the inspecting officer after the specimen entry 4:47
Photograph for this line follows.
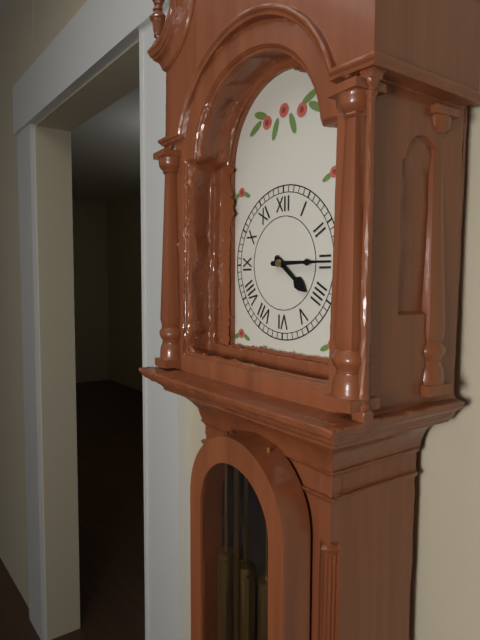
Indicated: 4:15
